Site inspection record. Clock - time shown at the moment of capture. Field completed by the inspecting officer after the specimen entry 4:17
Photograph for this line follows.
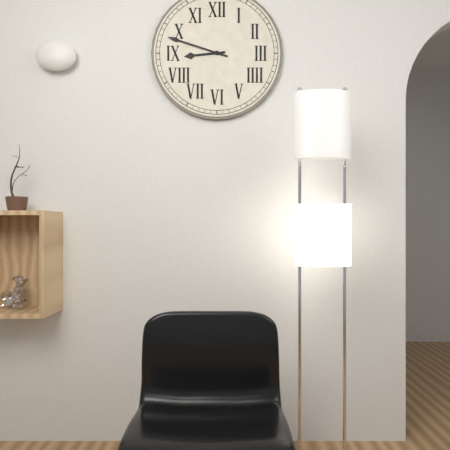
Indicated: 8:48
